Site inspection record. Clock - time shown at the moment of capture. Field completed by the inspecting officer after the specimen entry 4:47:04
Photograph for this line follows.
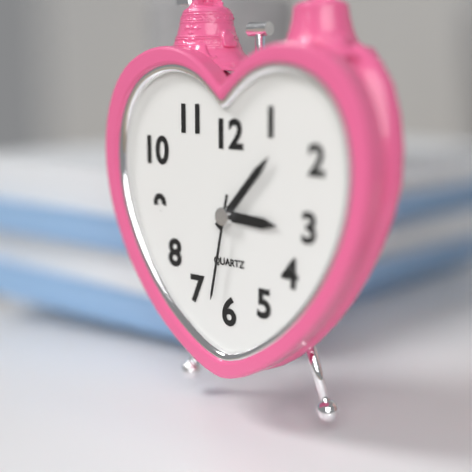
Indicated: 3:07:32
